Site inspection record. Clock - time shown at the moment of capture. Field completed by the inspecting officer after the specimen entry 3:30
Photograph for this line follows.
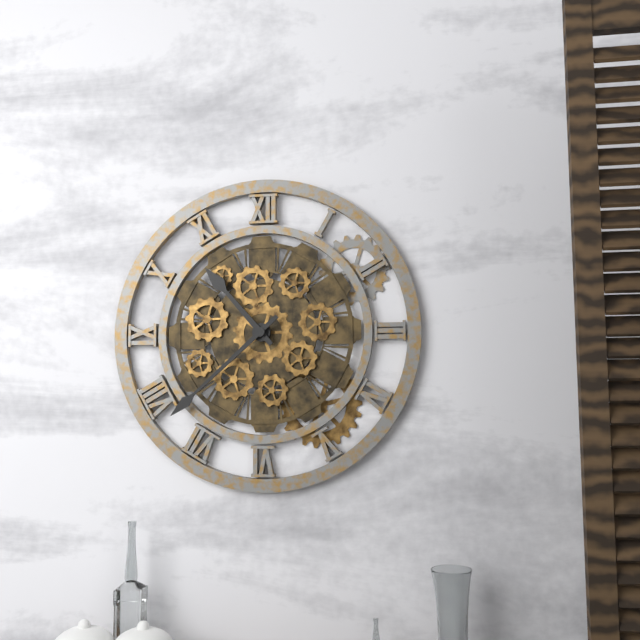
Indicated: 10:38
